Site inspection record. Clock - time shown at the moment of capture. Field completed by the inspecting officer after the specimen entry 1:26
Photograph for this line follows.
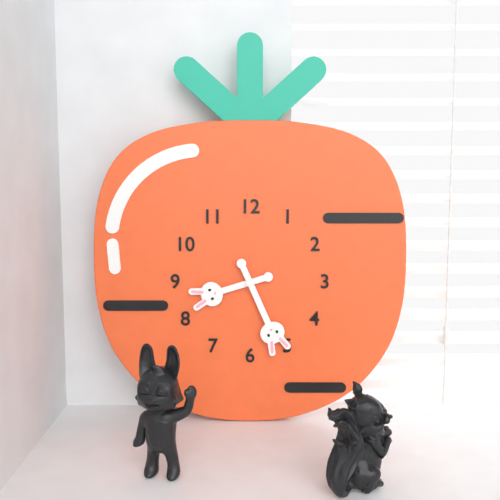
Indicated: 8:26
